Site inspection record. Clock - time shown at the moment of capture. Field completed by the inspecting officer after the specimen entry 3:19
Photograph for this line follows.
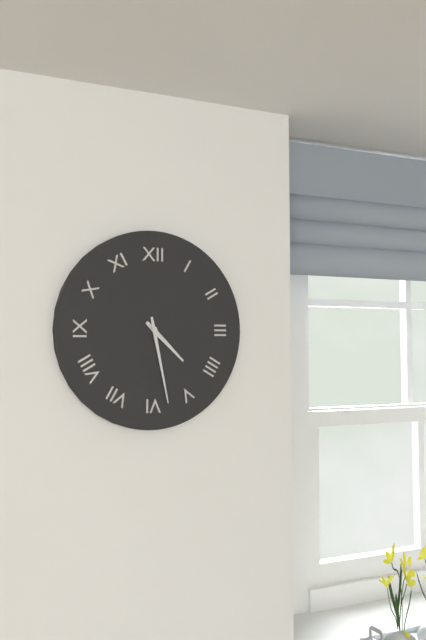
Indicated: 4:28
